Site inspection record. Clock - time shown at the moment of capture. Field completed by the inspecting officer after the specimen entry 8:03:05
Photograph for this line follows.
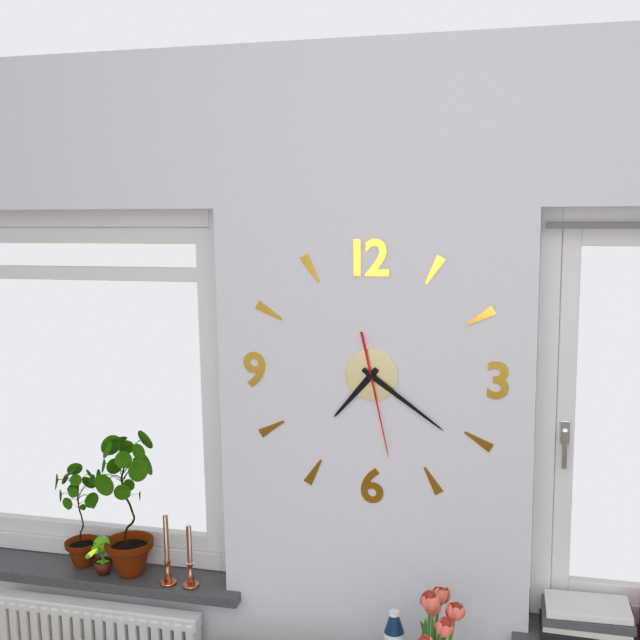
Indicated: 7:21:28
